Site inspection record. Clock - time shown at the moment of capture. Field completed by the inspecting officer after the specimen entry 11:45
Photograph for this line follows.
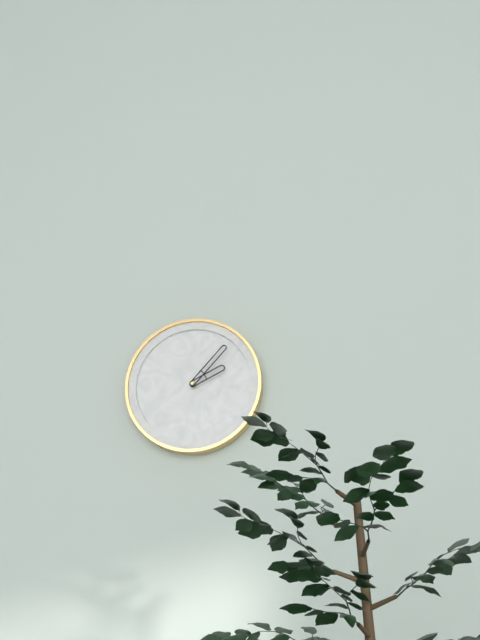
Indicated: 2:07
